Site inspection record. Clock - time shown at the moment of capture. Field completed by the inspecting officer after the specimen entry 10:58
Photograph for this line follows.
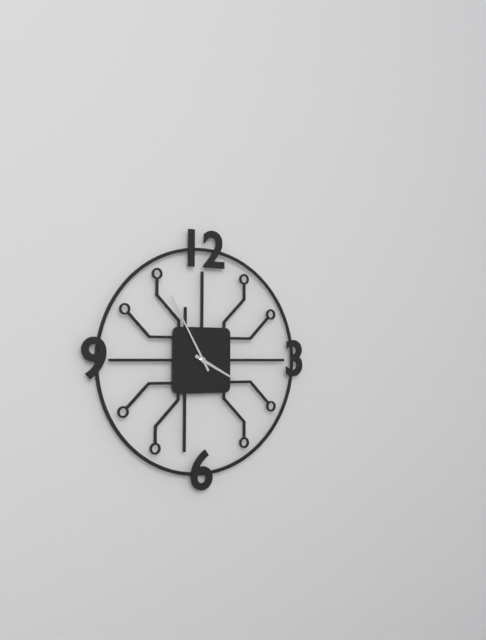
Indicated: 3:55
